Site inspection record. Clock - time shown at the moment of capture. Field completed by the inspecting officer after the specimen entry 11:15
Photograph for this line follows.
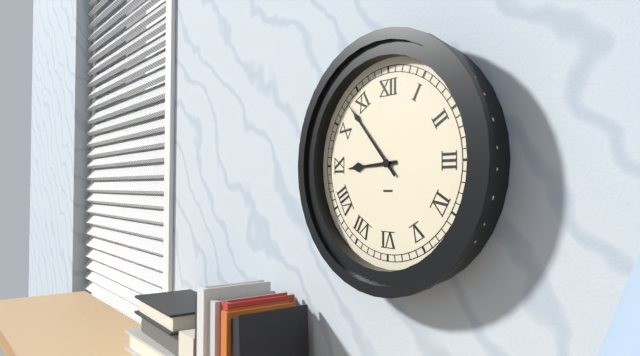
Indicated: 8:53
